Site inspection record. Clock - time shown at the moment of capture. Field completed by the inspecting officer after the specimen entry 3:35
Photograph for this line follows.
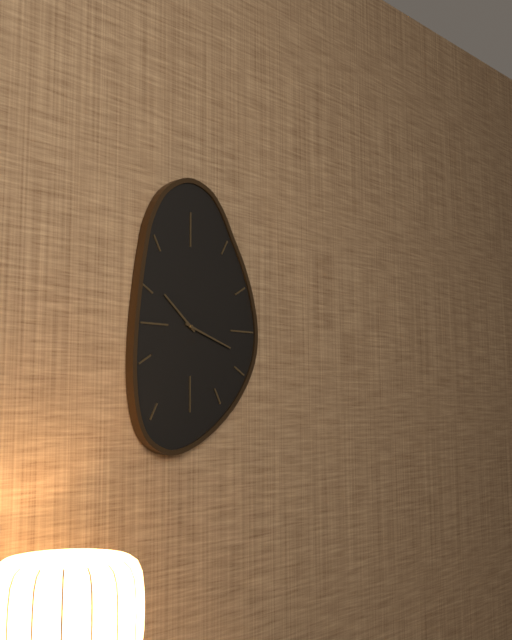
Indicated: 10:18
